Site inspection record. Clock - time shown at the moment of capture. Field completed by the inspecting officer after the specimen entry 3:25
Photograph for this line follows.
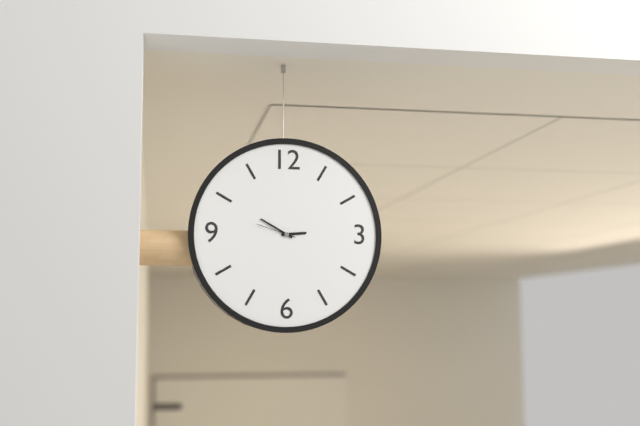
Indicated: 2:50
